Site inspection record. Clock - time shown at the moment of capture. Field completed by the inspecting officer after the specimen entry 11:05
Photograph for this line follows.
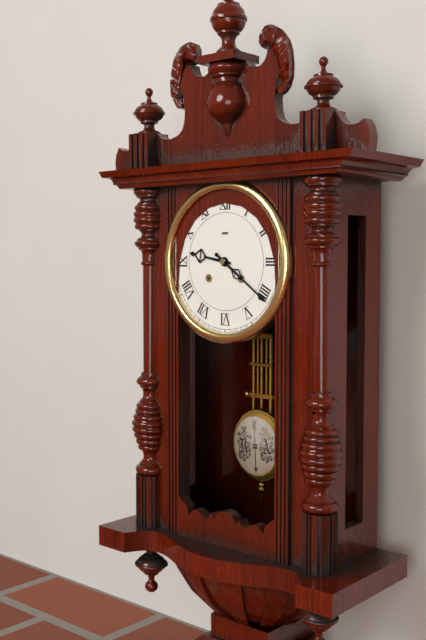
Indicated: 9:21
